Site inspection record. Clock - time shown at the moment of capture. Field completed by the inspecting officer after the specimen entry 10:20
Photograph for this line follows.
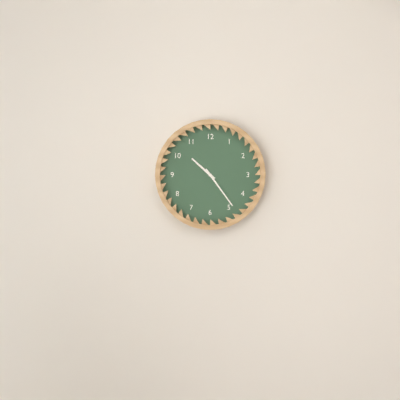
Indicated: 10:24
